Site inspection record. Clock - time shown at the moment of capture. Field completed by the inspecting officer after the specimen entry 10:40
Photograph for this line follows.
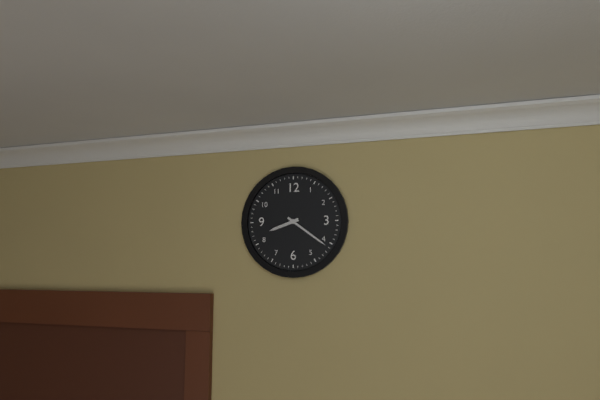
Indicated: 8:21
